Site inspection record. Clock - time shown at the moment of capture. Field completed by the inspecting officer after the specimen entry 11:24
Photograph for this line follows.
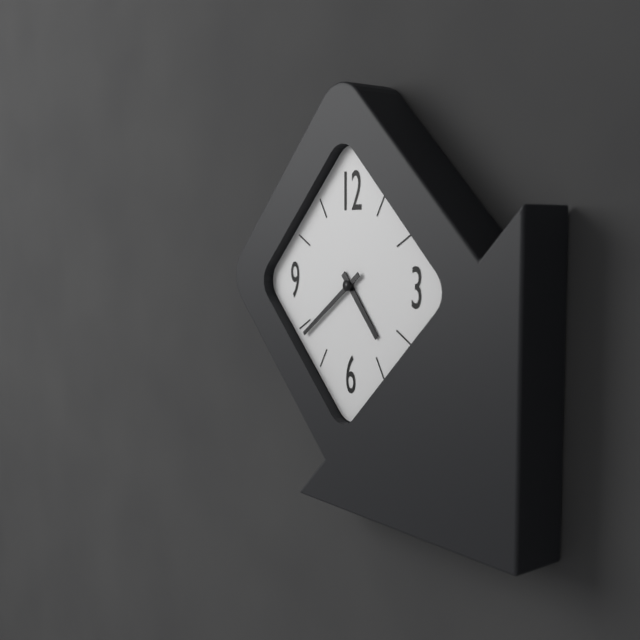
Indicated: 4:39
